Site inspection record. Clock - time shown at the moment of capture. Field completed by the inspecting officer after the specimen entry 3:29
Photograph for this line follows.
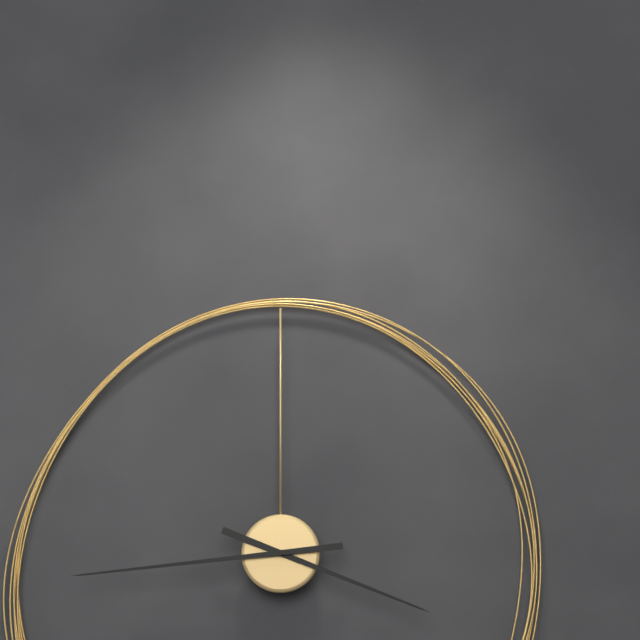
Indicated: 3:44
